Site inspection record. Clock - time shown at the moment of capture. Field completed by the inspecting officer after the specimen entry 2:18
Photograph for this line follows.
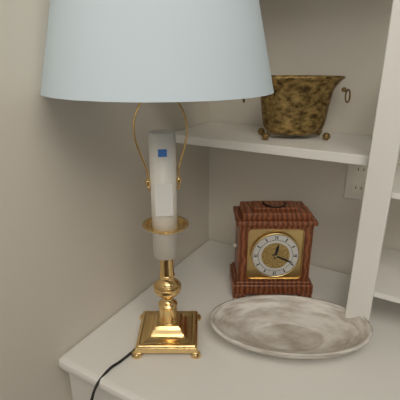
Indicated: 12:19
